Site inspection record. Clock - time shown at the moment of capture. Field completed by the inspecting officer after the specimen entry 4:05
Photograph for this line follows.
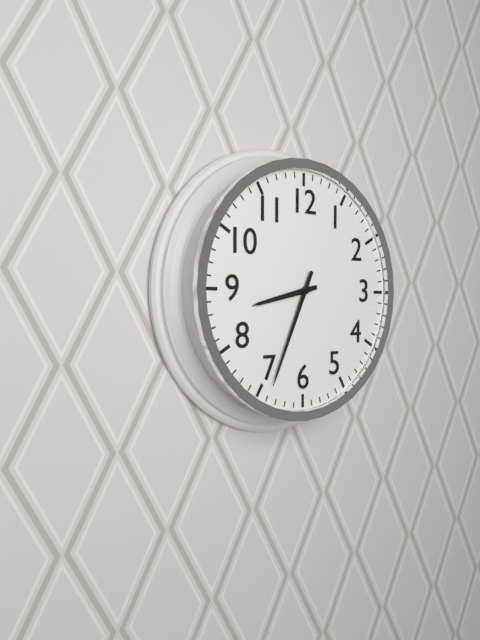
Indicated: 8:34
